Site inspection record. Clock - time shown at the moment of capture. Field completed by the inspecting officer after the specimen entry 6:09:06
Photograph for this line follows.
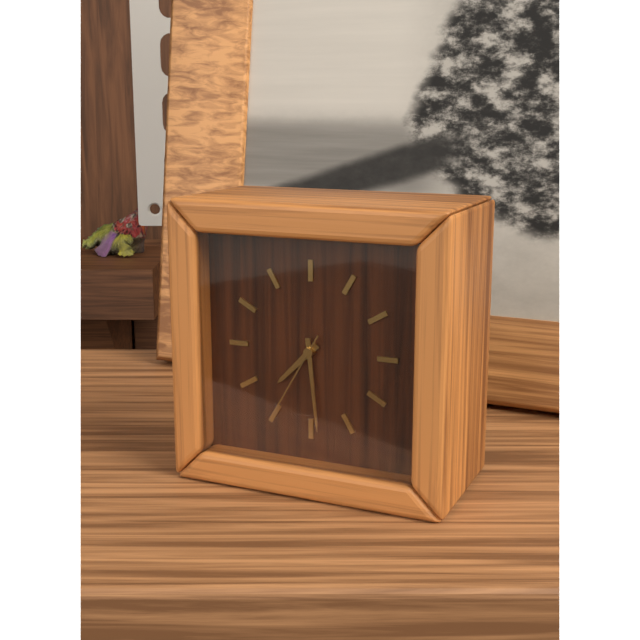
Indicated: 7:29:35
